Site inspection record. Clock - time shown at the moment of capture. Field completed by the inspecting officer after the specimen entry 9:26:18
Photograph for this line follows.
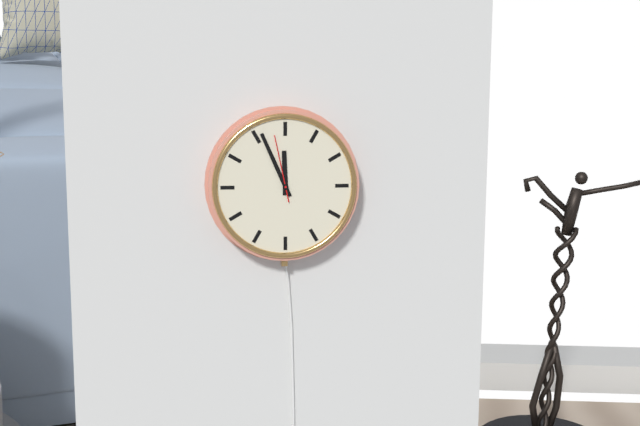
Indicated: 11:56:58
